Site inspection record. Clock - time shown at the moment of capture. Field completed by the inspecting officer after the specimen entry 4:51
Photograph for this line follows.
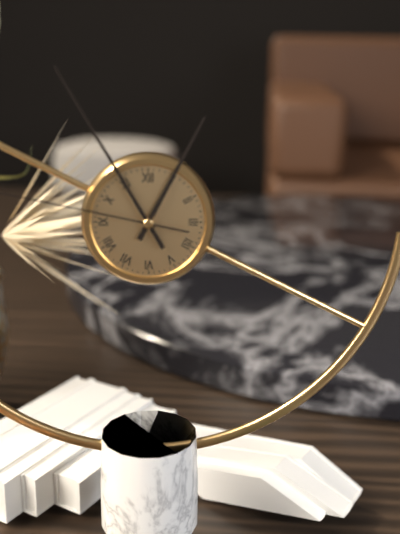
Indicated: 12:55
